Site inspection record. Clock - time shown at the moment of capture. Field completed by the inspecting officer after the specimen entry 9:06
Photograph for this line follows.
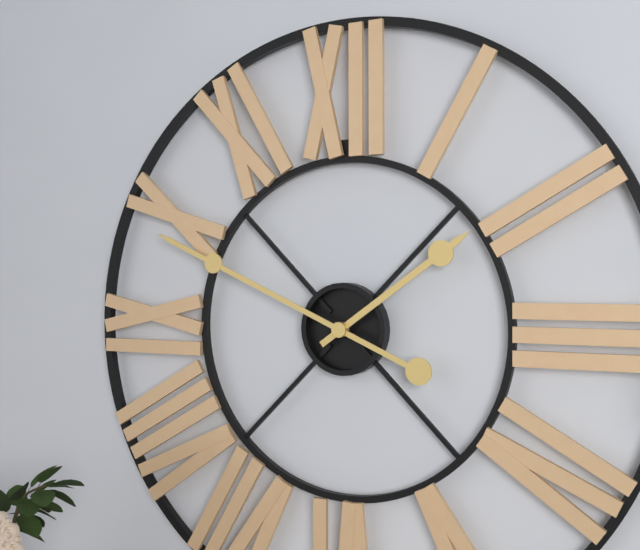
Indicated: 1:49
